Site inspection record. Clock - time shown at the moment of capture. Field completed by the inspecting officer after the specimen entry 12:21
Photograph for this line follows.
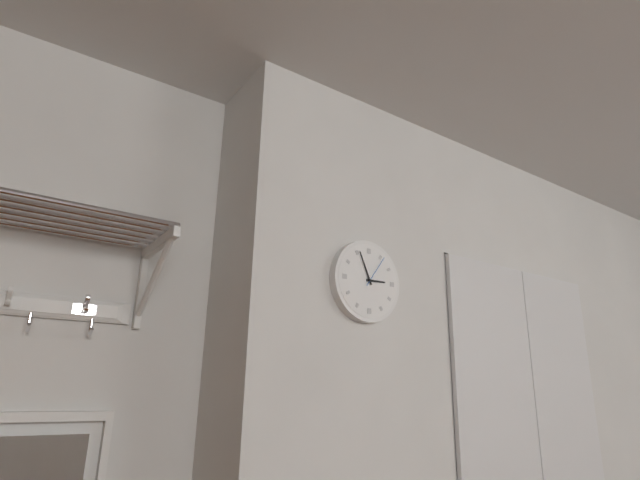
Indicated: 2:56
